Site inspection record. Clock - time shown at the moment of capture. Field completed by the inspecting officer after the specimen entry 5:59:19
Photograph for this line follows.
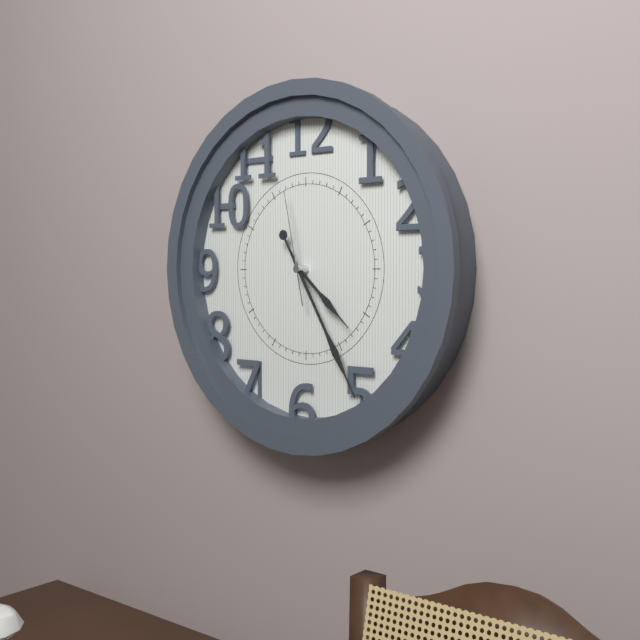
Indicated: 4:25:58
